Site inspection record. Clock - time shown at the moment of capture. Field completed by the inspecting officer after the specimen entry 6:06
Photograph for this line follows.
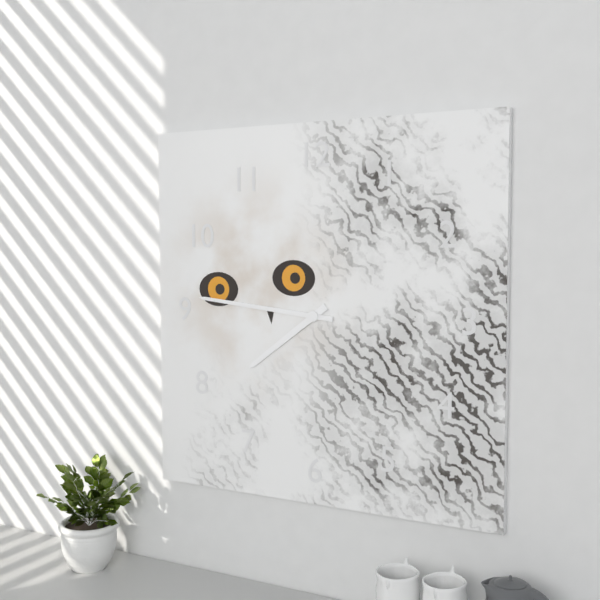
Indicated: 7:46
